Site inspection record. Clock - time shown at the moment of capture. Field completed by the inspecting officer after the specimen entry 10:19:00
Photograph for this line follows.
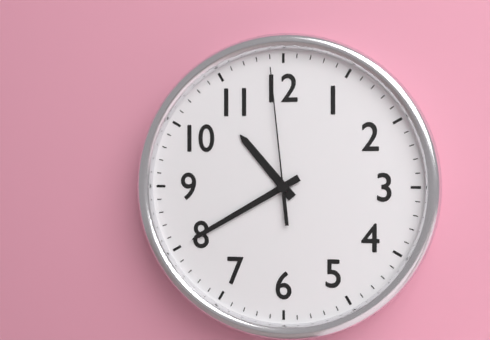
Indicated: 10:40:59
